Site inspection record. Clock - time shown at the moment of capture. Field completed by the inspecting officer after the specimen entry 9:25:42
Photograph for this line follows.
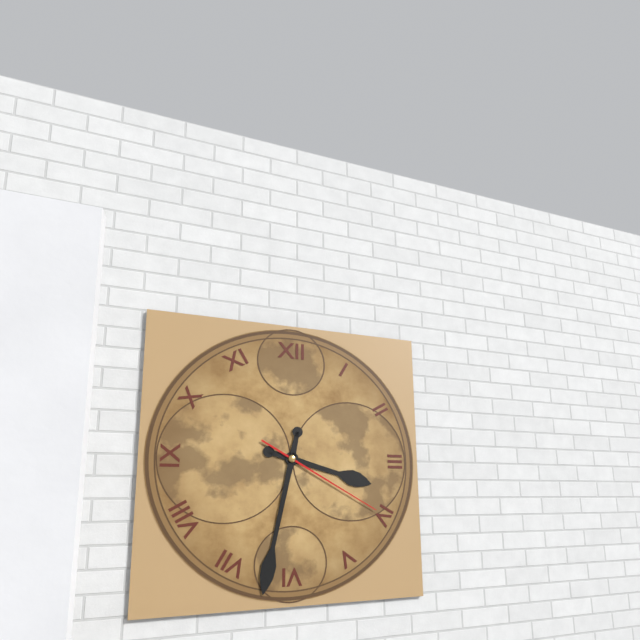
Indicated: 3:32:20
